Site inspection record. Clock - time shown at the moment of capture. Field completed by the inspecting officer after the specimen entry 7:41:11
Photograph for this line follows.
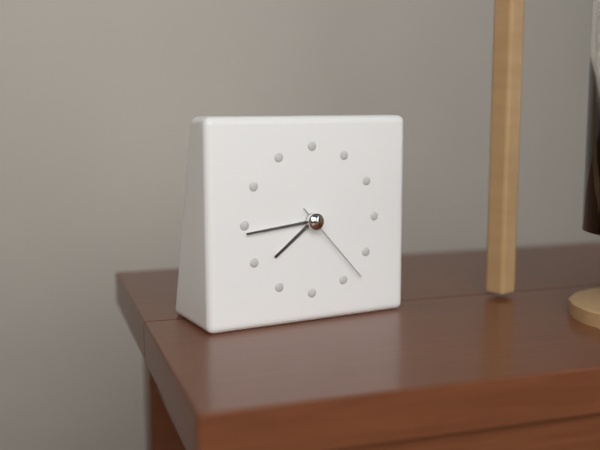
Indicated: 7:44:23
